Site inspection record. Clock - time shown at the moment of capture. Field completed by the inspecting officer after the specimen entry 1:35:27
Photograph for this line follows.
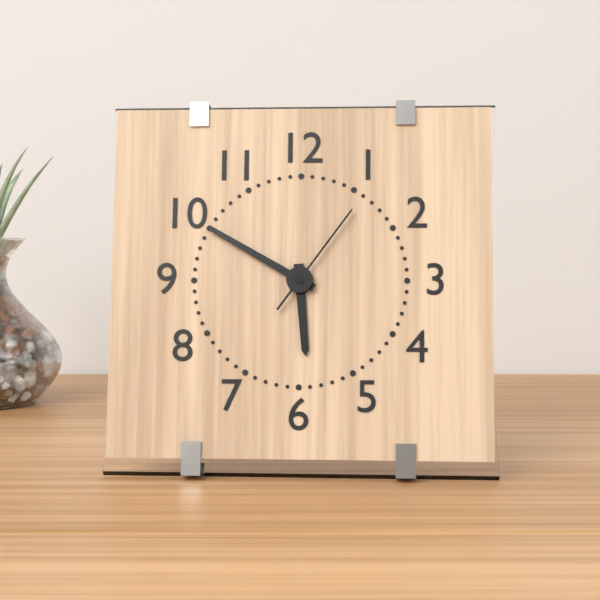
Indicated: 5:50:06
